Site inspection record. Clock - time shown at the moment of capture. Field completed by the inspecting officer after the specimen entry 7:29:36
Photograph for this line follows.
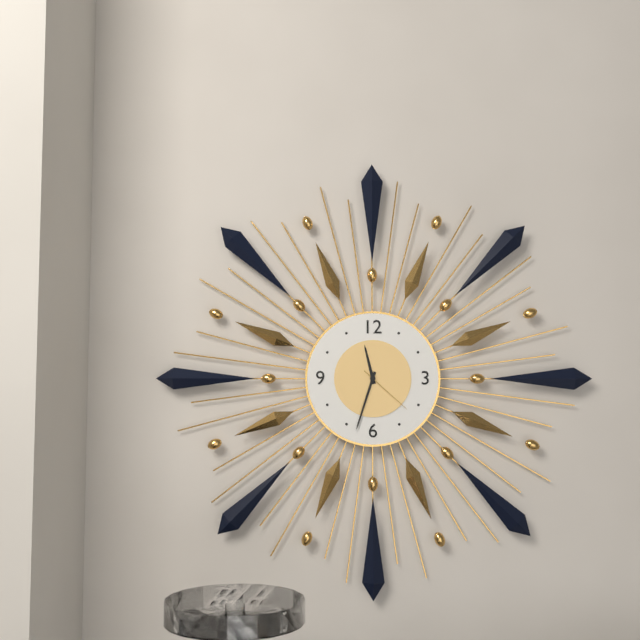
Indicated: 11:33:22
